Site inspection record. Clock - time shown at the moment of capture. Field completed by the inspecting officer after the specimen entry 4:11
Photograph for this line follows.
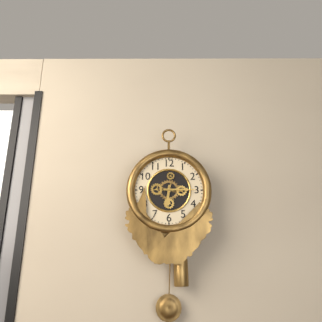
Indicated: 6:15
